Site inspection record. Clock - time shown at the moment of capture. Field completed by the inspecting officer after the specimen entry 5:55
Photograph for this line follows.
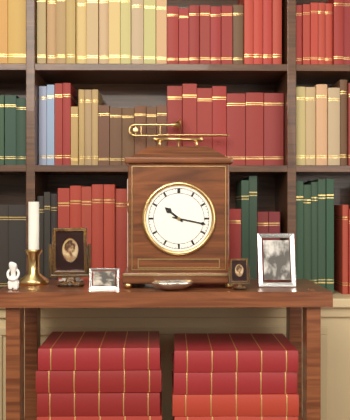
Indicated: 10:17
